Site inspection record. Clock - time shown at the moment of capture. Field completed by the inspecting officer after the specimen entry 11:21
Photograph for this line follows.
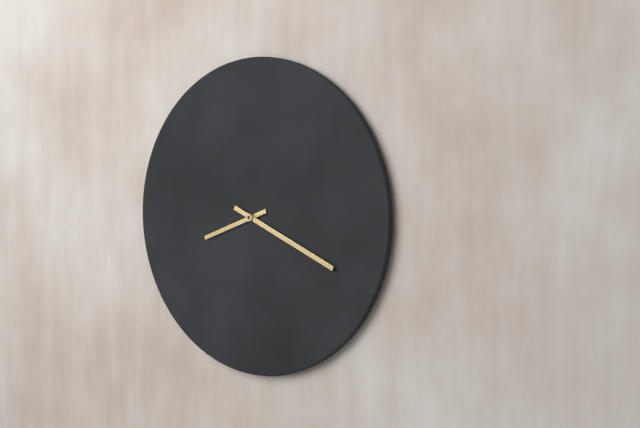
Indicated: 8:19
